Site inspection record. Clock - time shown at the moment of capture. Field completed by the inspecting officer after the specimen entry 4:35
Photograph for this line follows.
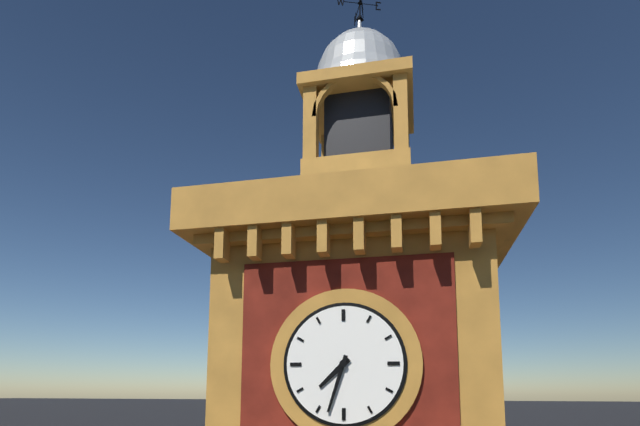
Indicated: 7:33
